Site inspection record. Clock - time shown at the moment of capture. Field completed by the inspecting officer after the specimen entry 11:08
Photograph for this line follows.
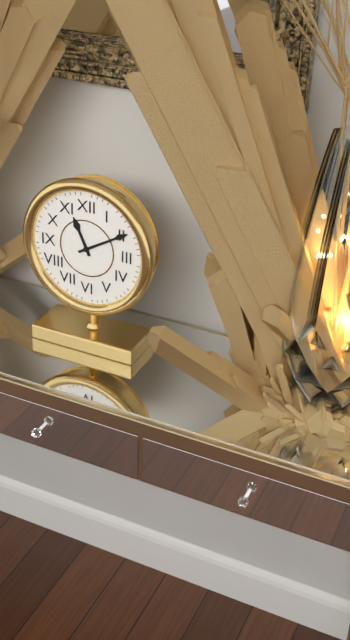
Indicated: 11:10
